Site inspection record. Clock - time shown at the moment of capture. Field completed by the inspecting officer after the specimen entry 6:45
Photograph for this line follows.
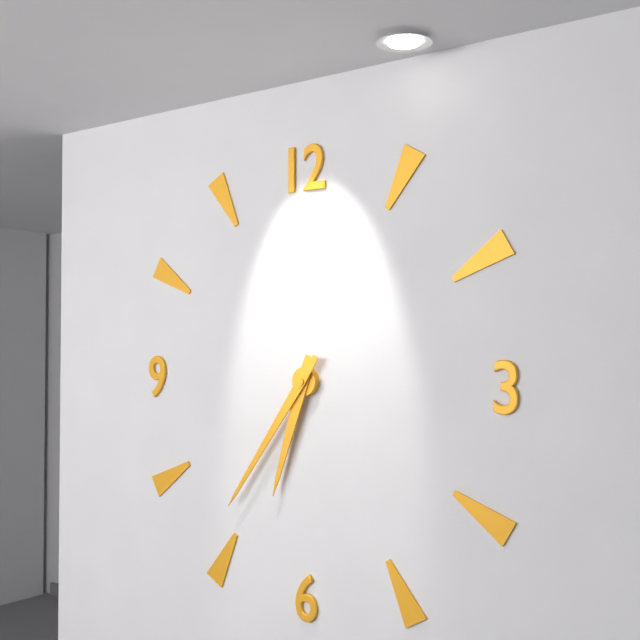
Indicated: 6:36
